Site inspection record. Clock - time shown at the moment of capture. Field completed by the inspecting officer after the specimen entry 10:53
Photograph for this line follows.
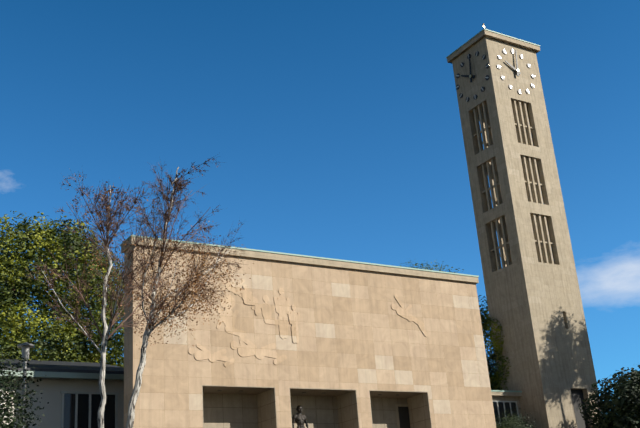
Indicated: 10:01
